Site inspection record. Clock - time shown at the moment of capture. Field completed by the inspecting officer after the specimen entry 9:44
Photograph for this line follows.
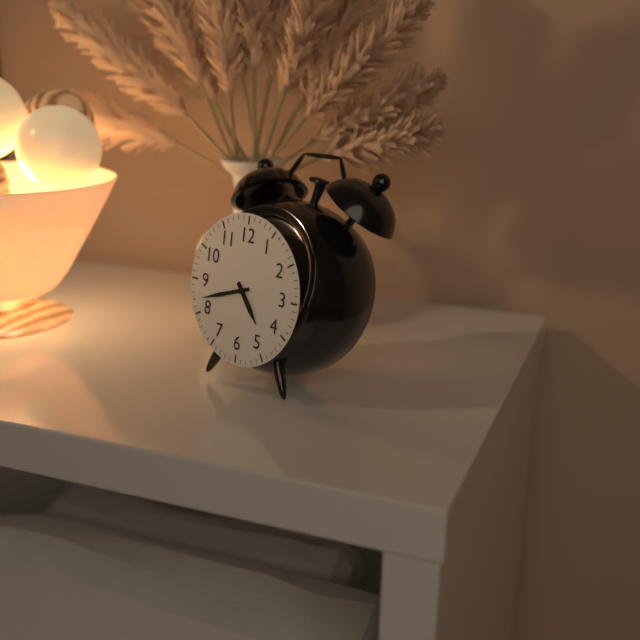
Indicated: 4:42
